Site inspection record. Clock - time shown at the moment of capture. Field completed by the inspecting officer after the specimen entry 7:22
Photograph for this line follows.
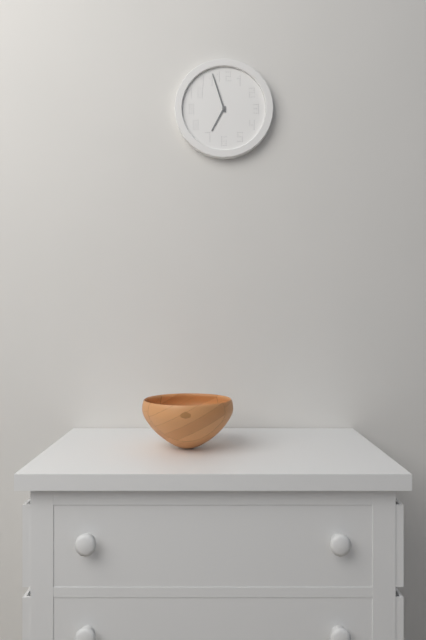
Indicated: 6:57
